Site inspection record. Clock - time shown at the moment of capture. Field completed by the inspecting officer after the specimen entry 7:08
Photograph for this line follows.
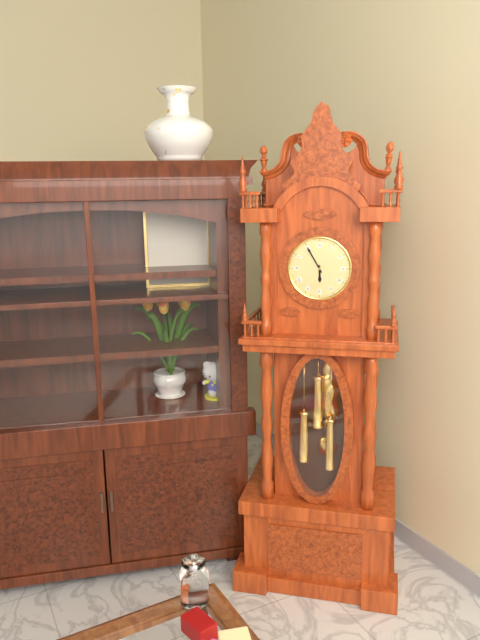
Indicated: 5:55
